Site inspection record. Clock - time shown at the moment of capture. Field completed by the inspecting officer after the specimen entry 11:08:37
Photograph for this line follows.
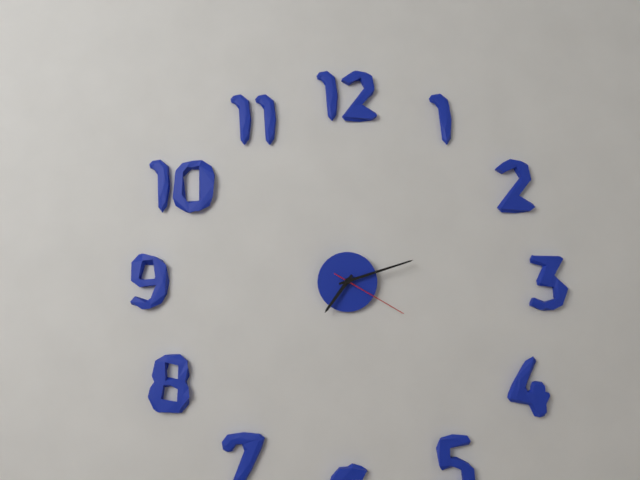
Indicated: 7:12:20
